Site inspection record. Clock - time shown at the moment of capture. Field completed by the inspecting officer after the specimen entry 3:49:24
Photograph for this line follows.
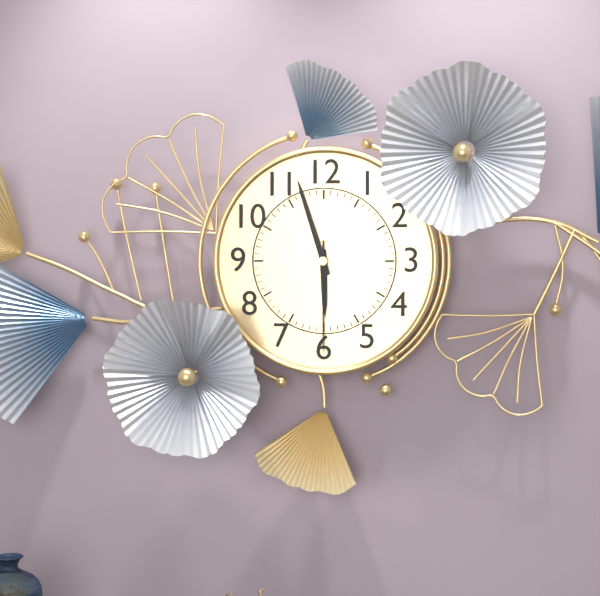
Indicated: 5:57:30
